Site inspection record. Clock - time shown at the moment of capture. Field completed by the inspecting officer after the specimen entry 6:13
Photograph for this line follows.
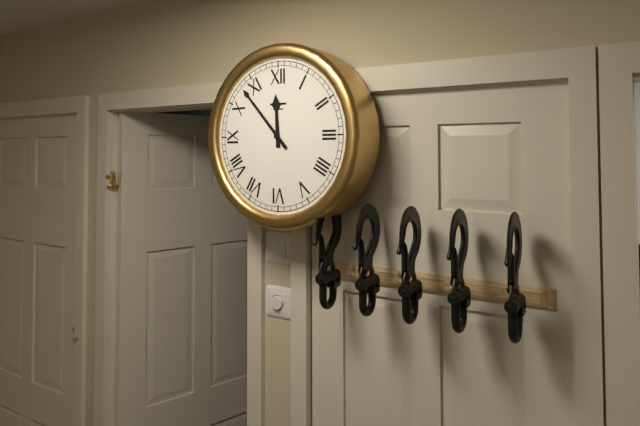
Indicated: 11:53
